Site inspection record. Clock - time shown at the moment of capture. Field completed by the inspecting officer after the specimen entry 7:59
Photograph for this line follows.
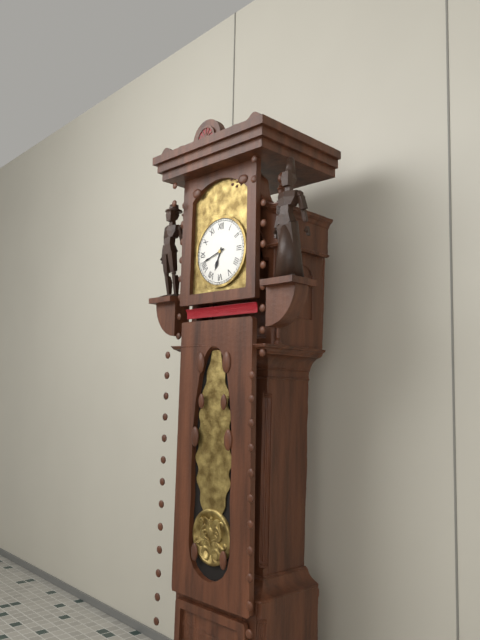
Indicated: 6:42
